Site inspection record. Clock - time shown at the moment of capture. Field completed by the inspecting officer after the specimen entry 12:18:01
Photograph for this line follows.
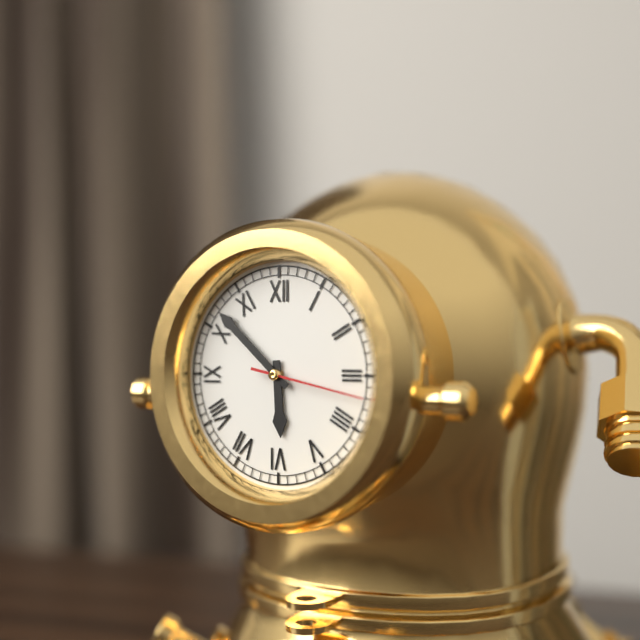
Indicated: 5:52:17
